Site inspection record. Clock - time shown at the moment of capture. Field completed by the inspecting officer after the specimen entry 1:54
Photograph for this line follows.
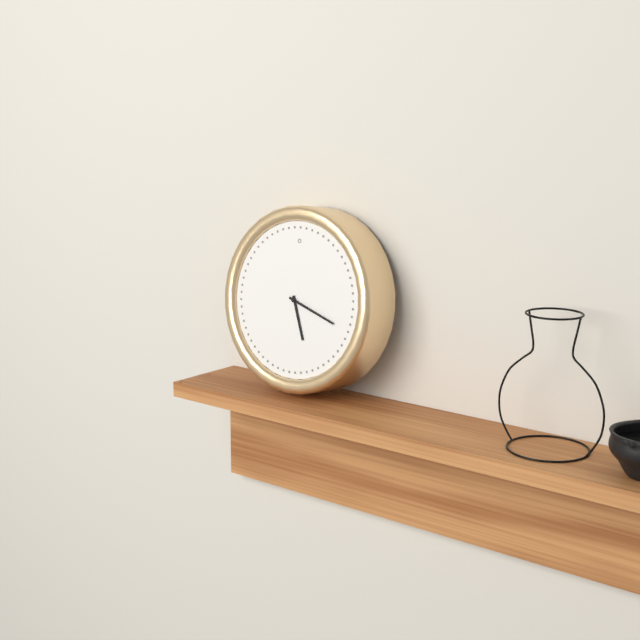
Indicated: 5:18
